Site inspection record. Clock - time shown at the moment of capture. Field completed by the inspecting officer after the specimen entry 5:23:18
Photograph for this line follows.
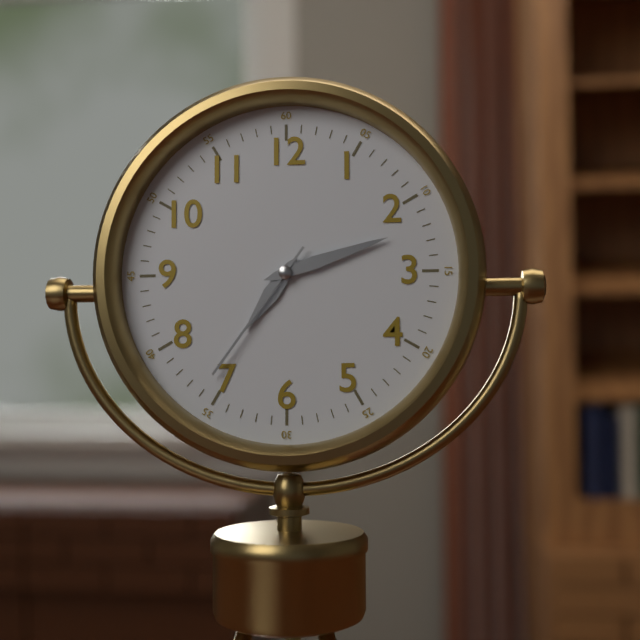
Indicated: 7:12:36
